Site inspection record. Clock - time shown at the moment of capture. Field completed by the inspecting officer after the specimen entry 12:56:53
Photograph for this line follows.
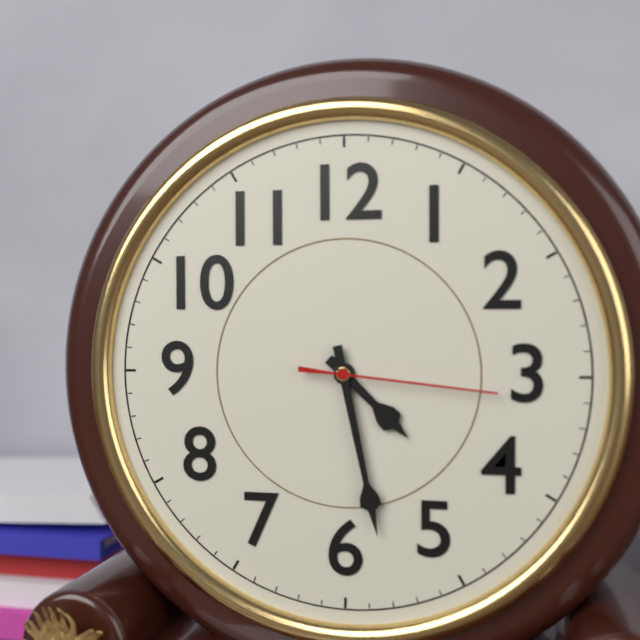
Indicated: 4:28:16
